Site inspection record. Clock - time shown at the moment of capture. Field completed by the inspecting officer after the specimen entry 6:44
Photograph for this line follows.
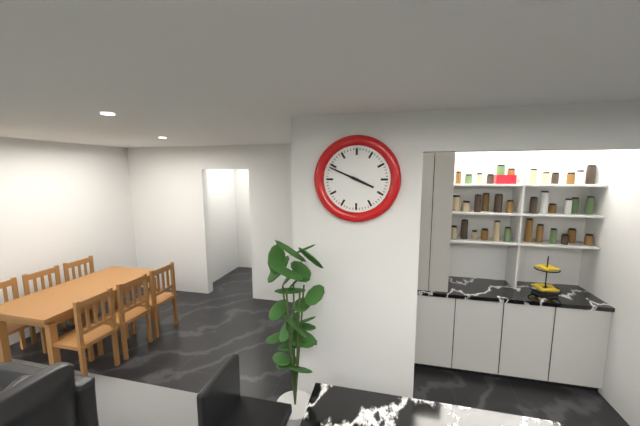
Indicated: 3:49
